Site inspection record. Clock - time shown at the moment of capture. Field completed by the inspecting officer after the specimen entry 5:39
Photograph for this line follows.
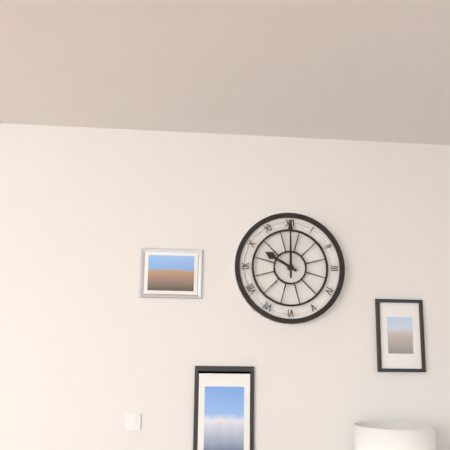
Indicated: 10:00
